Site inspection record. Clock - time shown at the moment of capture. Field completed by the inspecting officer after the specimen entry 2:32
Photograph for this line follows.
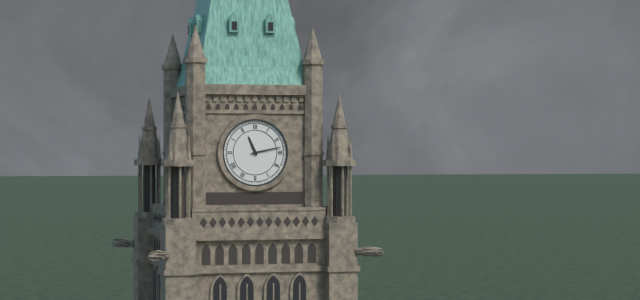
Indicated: 11:13
